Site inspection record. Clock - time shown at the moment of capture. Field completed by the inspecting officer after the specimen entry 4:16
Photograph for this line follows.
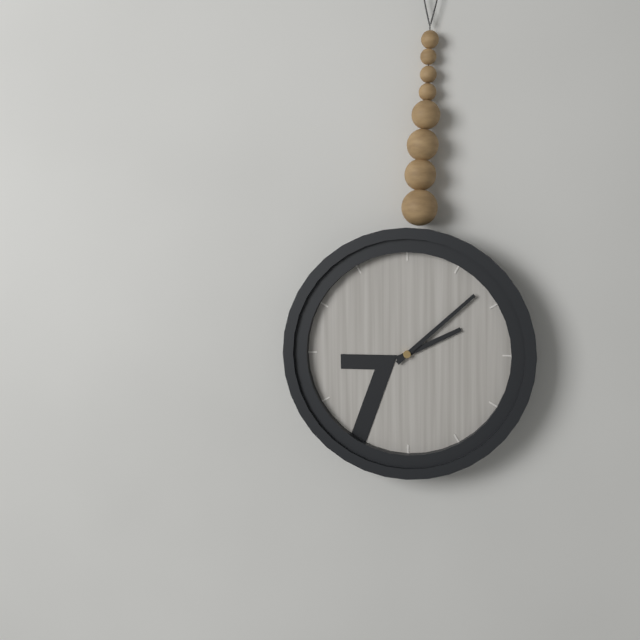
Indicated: 2:08
